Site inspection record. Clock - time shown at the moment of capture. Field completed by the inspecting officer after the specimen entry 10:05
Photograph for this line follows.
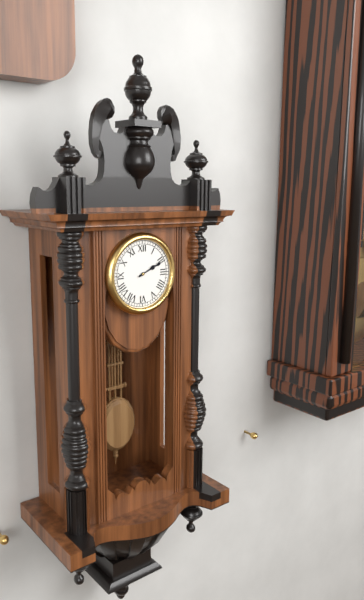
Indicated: 2:11
